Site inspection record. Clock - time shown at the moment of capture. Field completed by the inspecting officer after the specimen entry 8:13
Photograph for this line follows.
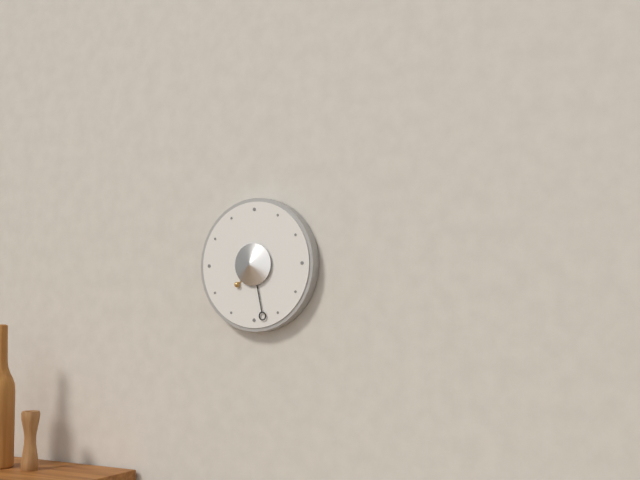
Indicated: 7:28
